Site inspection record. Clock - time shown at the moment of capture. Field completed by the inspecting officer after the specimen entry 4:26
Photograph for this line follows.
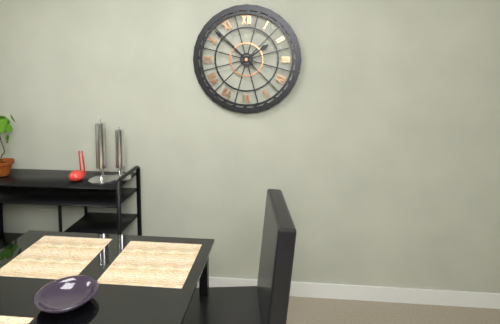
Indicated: 1:52
